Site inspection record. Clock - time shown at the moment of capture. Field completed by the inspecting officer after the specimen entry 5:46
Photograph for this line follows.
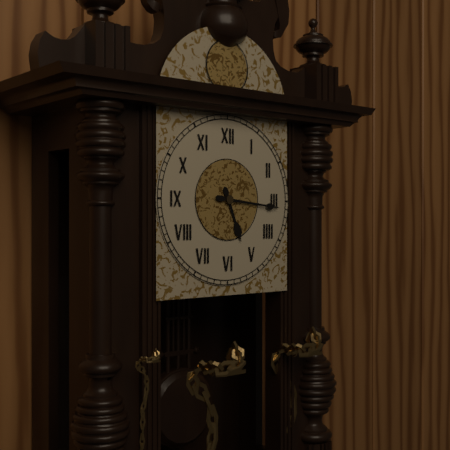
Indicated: 5:16
